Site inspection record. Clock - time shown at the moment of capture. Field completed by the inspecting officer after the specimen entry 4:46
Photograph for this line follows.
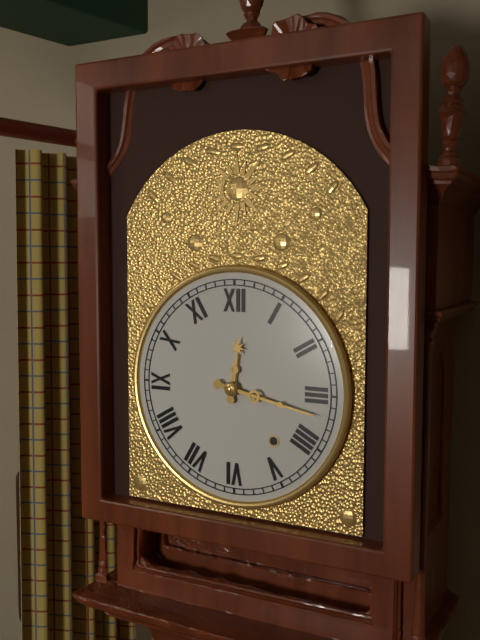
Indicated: 12:17
